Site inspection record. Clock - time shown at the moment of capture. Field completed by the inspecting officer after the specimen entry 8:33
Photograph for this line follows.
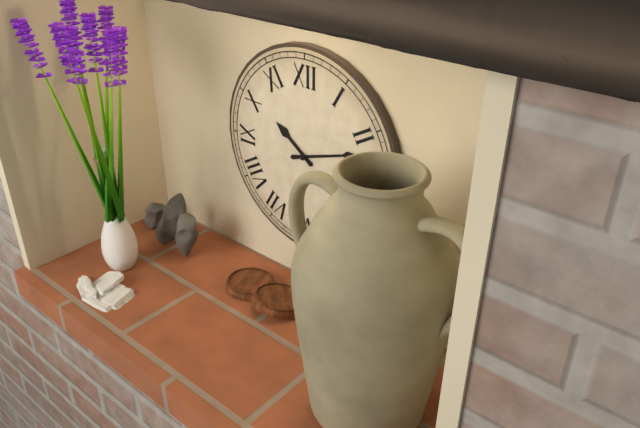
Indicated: 10:12
